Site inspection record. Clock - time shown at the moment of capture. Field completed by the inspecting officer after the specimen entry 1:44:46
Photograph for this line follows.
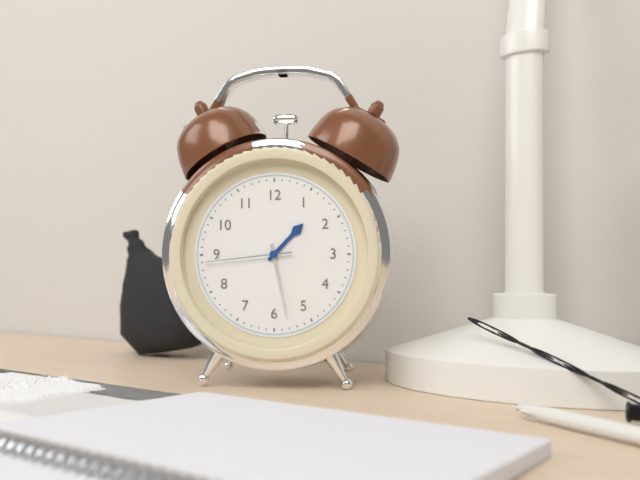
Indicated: 1:28:44
